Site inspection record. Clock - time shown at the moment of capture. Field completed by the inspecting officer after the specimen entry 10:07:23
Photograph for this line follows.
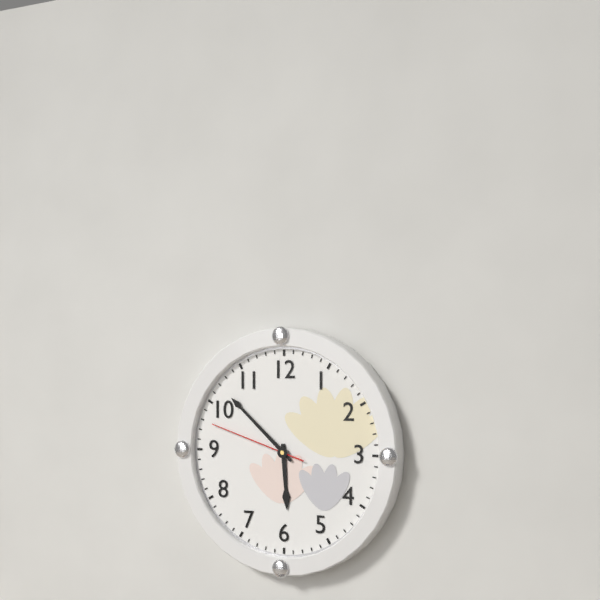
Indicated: 5:52:48
